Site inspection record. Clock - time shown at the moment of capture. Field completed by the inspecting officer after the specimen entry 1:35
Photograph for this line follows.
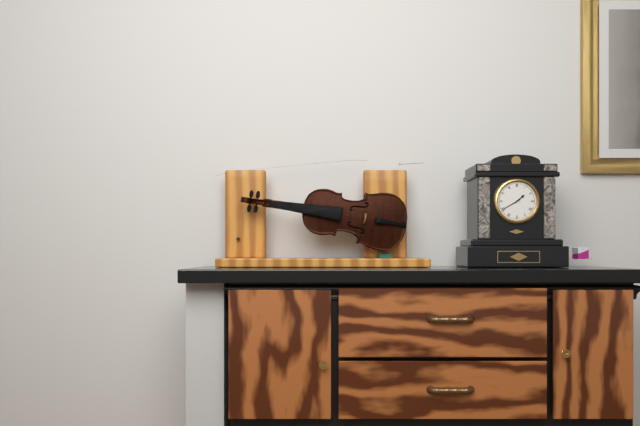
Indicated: 1:40
